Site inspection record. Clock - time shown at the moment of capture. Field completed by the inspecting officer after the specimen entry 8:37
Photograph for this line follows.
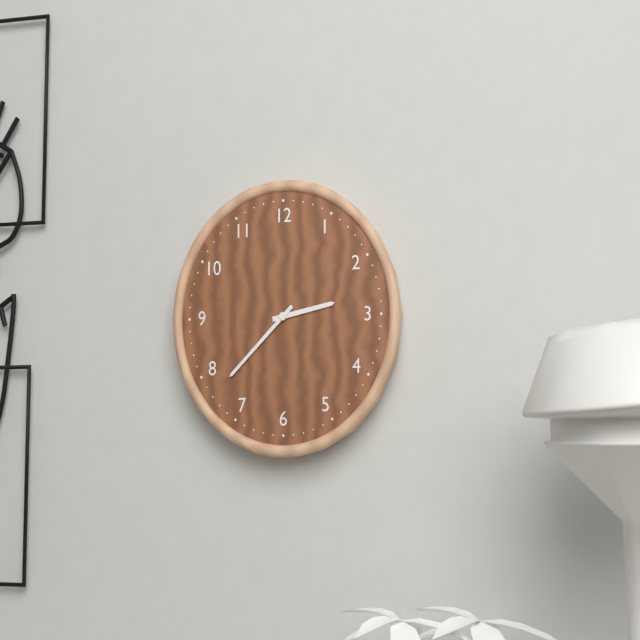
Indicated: 2:38
